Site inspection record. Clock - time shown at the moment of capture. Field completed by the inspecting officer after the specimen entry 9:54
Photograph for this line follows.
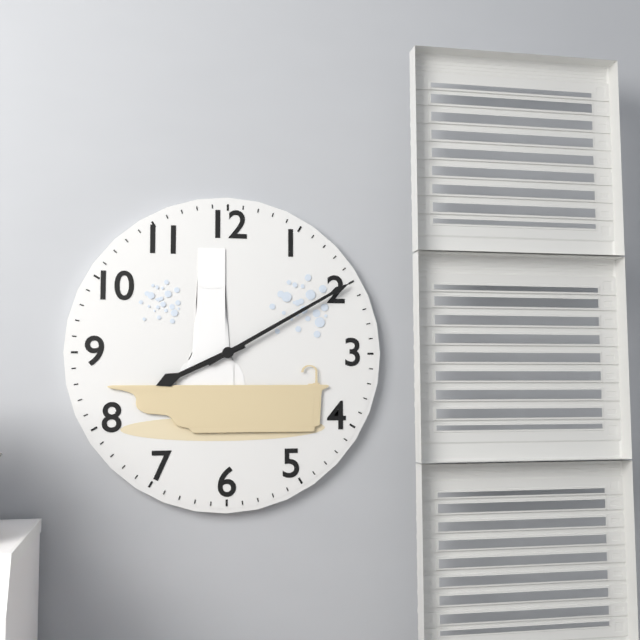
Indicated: 8:10
